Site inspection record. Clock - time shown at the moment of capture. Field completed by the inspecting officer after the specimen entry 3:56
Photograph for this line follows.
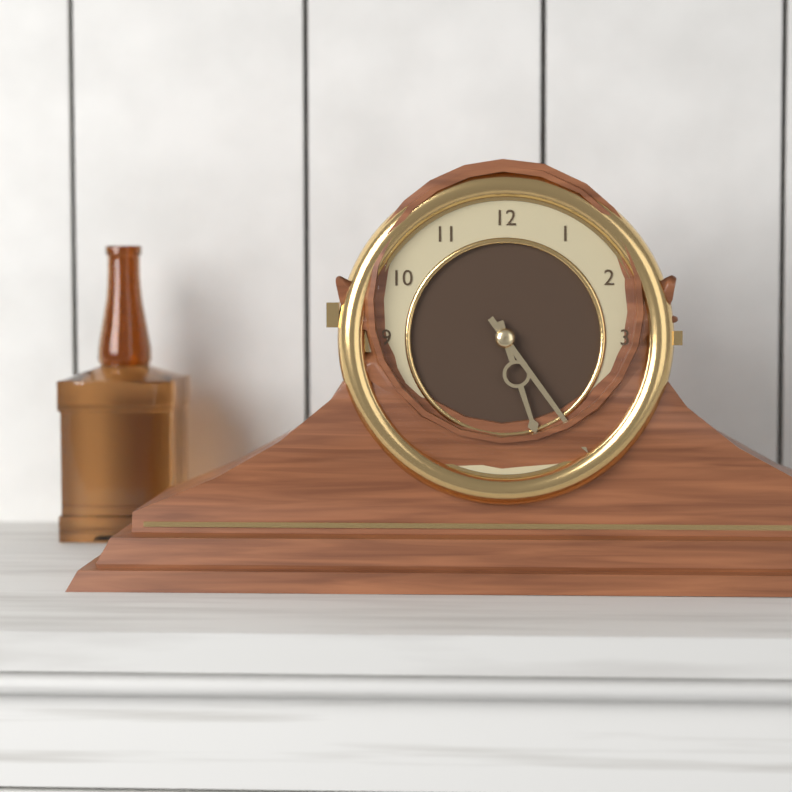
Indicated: 5:24
